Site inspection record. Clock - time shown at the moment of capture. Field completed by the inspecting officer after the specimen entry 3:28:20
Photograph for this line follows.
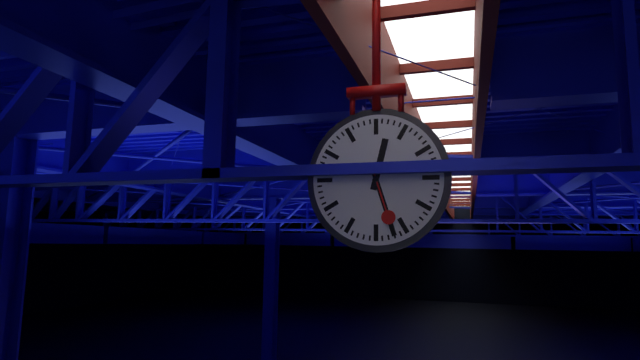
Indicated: 12:27:27
